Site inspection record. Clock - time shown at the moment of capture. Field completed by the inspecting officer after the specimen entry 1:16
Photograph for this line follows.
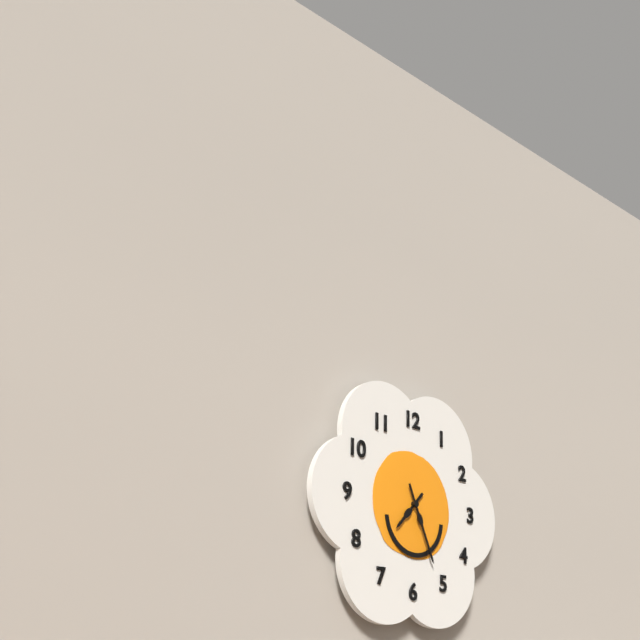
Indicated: 7:26
